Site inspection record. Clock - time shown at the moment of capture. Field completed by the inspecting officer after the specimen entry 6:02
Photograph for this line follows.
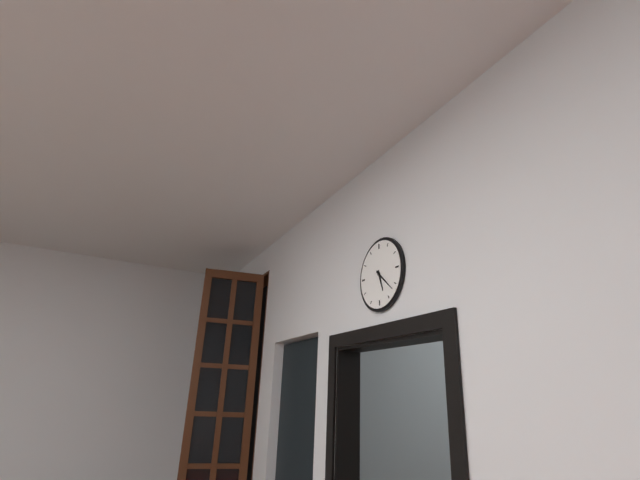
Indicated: 5:22
